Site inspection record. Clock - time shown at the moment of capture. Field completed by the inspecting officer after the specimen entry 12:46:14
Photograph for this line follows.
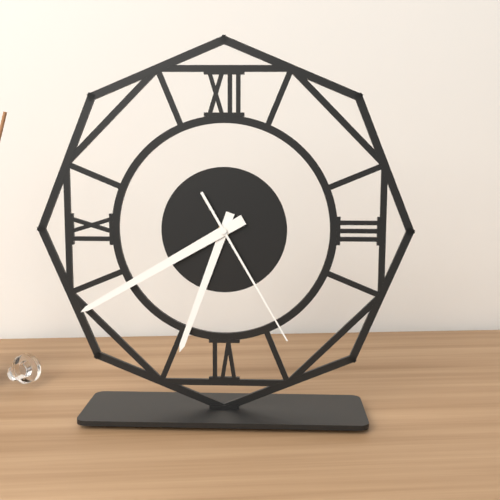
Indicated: 6:40:25
